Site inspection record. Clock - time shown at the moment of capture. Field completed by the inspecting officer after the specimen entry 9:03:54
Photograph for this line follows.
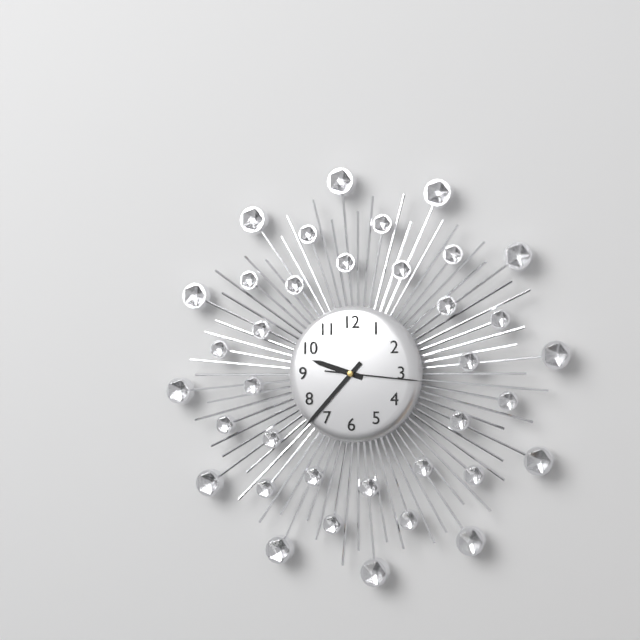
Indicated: 9:37:16
